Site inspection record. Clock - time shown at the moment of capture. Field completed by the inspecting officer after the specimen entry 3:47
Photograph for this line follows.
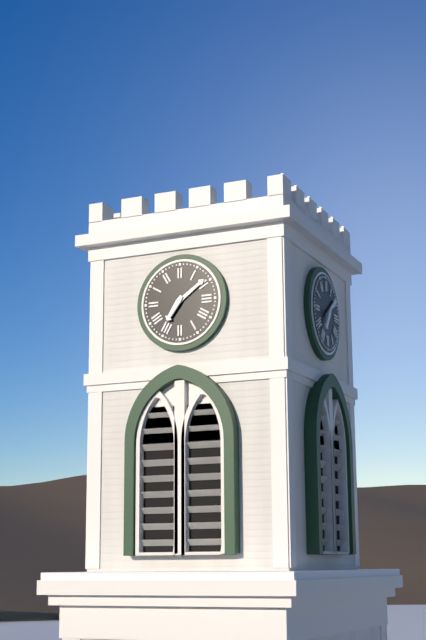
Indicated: 7:09
